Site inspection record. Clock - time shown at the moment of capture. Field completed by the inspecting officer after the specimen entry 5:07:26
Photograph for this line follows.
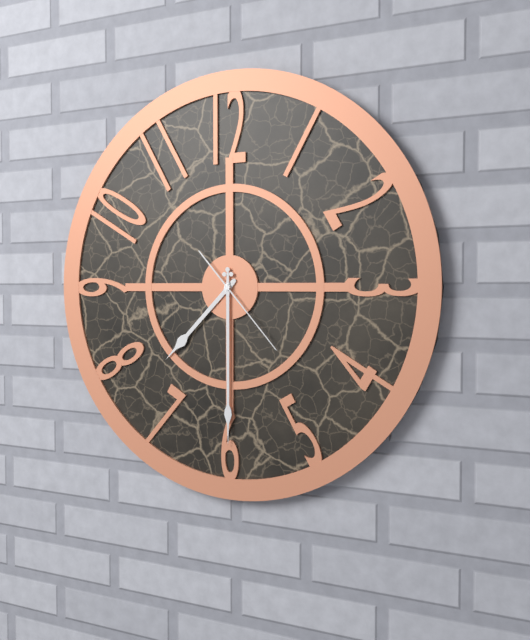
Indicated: 7:30:23
